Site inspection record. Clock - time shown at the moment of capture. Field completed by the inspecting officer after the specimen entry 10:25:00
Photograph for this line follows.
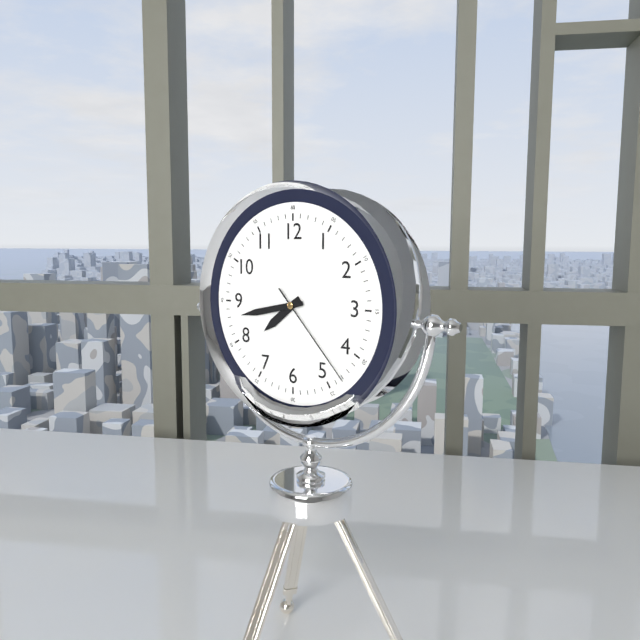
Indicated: 7:43:23
